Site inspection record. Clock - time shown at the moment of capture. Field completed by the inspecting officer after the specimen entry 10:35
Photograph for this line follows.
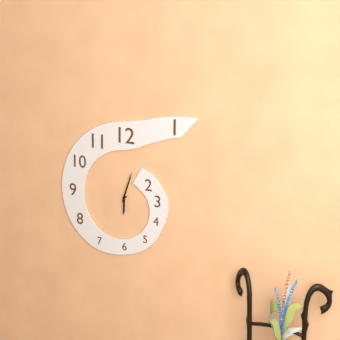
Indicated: 6:03
